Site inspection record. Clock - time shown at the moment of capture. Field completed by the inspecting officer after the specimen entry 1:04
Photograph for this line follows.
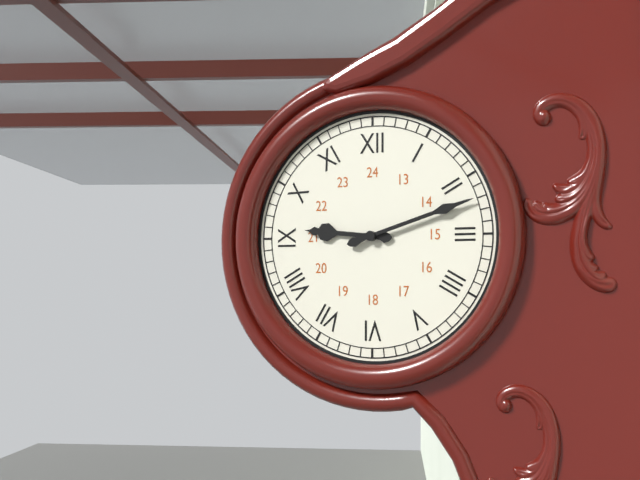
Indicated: 9:12
